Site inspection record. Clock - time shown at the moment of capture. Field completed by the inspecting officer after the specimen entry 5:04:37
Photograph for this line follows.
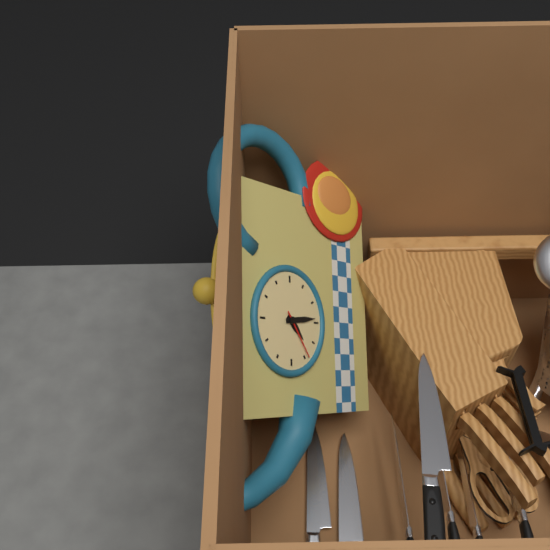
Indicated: 7:29:39
